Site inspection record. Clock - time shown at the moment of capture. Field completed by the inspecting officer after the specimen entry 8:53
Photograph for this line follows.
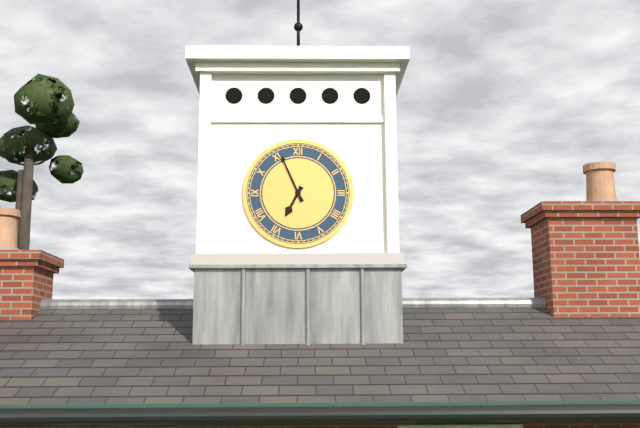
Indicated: 6:56
